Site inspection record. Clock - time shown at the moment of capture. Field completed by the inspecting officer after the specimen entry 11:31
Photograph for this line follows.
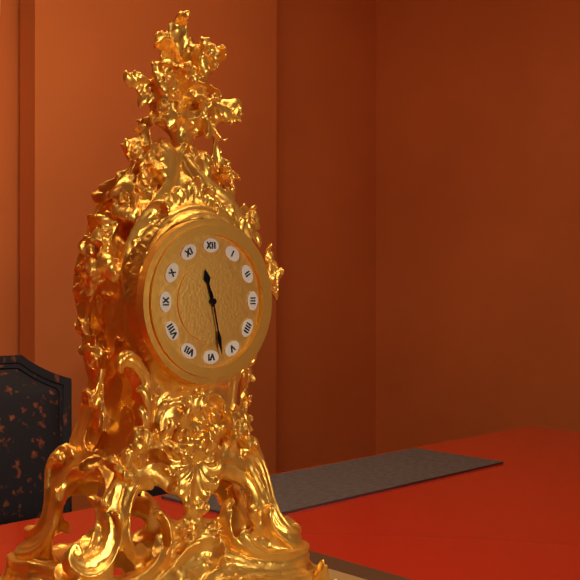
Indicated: 11:28
